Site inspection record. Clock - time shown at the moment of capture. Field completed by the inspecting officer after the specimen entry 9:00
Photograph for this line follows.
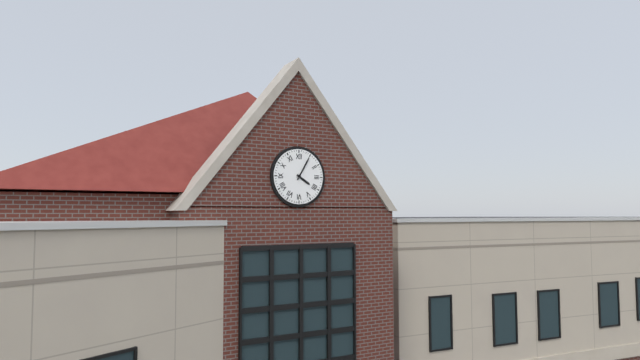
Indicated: 4:05
